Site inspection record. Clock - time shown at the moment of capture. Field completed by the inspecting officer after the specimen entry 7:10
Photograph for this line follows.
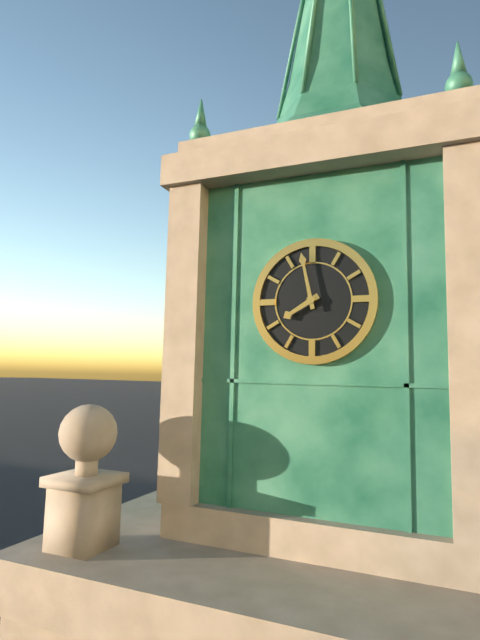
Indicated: 7:58
